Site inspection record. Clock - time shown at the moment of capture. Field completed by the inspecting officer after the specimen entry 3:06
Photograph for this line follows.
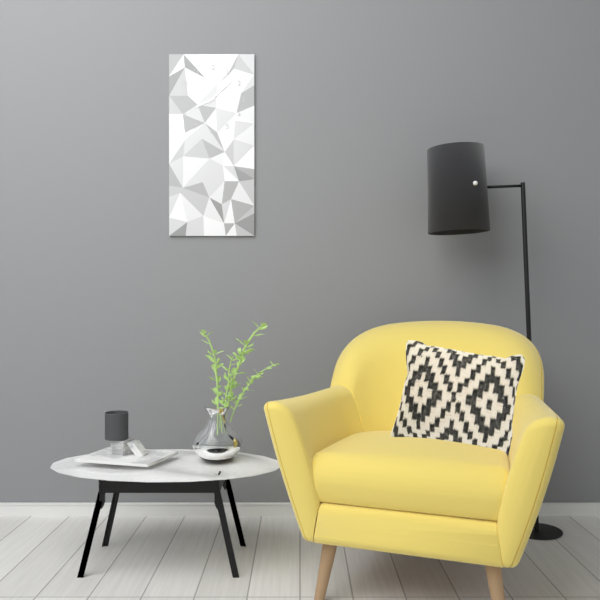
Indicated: 8:08
